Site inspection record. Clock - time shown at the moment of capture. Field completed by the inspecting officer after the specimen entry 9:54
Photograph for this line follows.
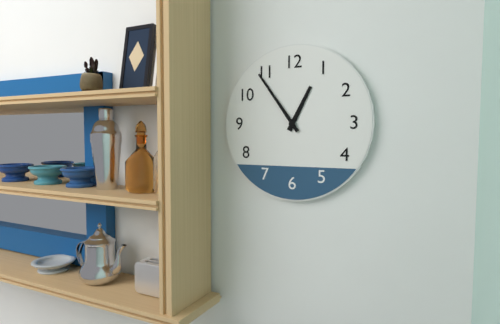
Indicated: 12:54
